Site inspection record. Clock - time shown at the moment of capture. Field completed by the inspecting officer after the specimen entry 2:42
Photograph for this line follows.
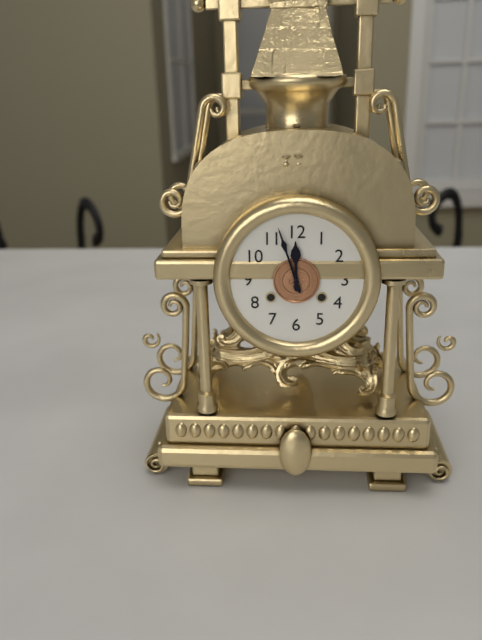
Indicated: 11:57
